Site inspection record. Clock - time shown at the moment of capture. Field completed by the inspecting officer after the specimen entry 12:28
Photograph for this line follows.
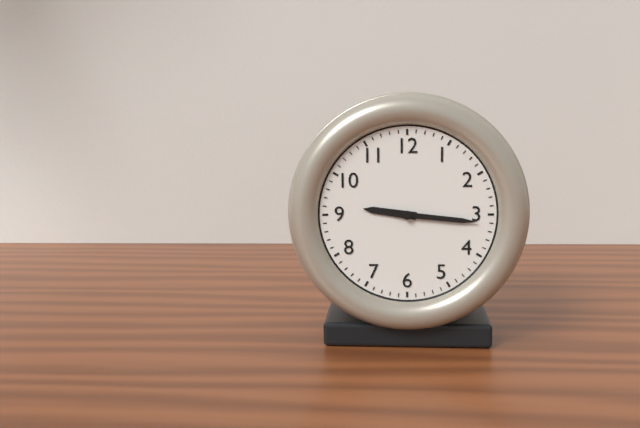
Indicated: 9:16
